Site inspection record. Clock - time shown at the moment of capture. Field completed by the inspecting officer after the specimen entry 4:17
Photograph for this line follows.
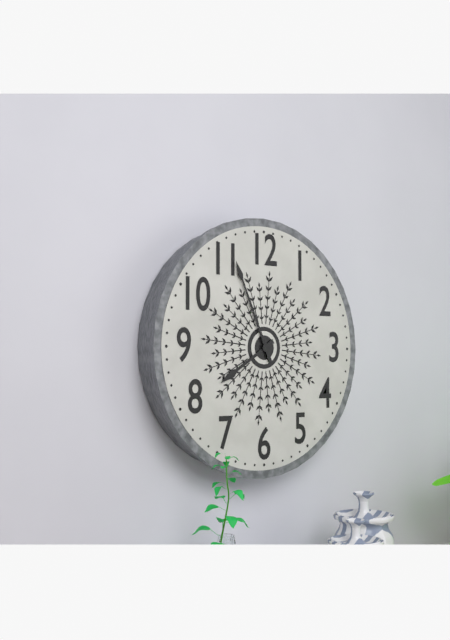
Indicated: 7:56
